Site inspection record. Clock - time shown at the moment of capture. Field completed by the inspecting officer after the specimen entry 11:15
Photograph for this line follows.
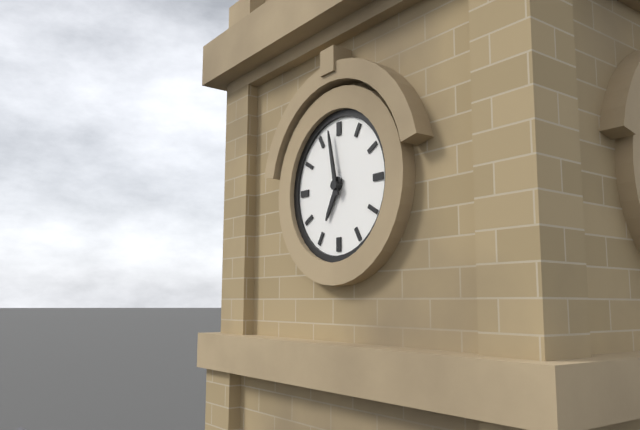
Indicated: 6:58
